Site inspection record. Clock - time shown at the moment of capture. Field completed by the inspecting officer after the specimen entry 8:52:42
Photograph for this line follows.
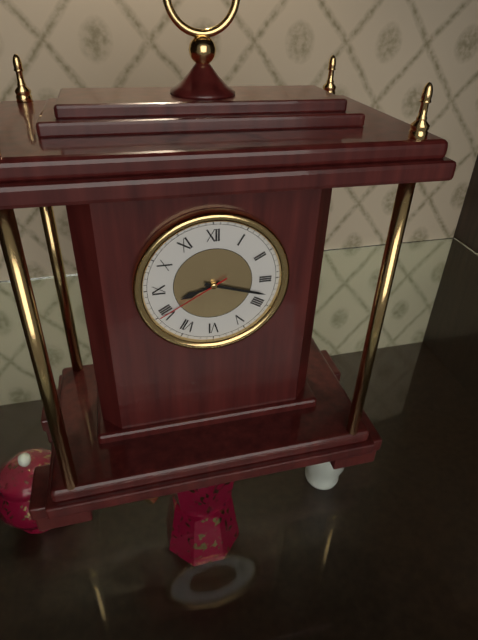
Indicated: 8:18:40
